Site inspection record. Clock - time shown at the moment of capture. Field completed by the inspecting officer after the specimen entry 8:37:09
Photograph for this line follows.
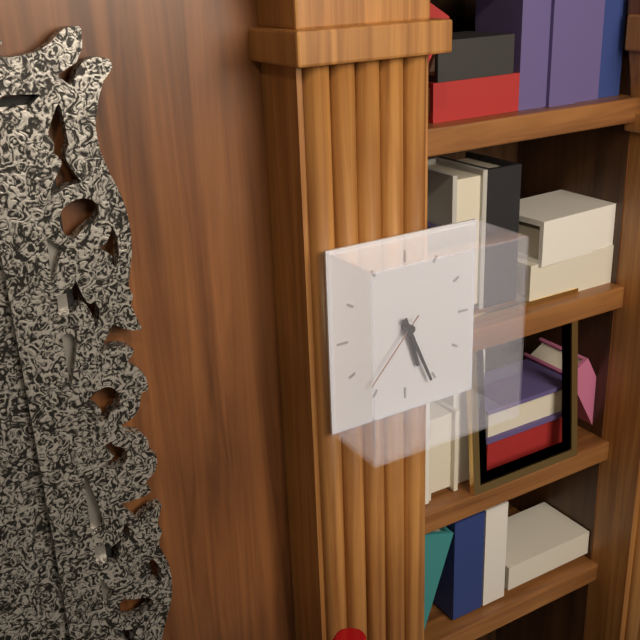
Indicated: 5:26:37
